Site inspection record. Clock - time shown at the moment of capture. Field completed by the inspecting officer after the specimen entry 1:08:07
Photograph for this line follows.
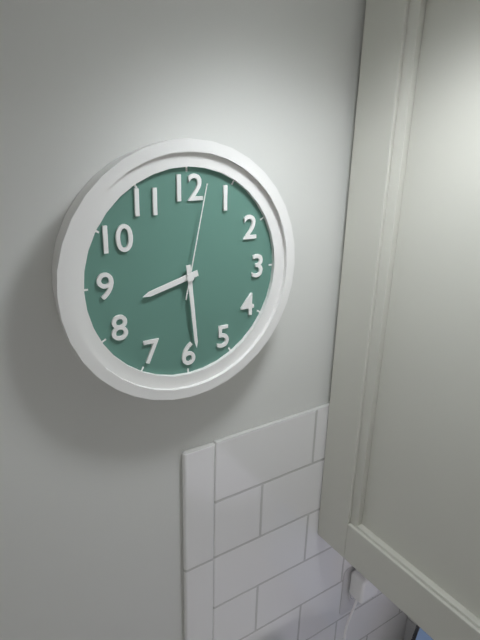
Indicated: 8:29:02
